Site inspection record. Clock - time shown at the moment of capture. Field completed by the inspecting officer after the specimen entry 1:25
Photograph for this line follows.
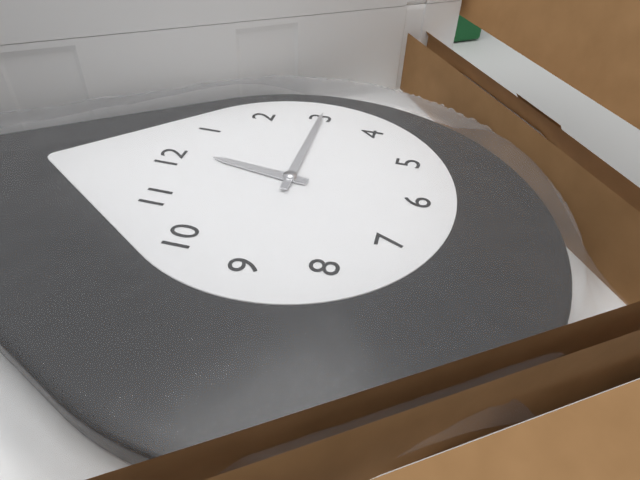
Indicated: 12:15
